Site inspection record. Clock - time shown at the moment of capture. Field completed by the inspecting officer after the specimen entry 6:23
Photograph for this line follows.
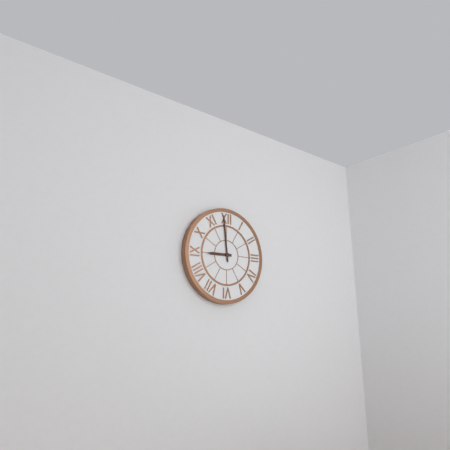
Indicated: 8:59
